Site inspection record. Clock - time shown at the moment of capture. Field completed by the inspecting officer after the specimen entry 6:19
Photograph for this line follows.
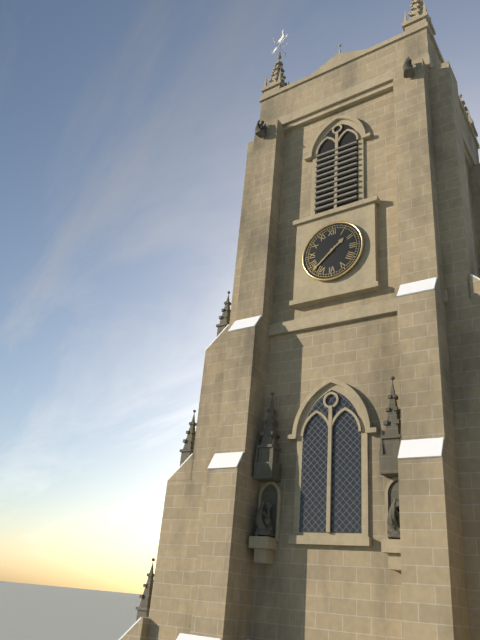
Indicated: 1:38
